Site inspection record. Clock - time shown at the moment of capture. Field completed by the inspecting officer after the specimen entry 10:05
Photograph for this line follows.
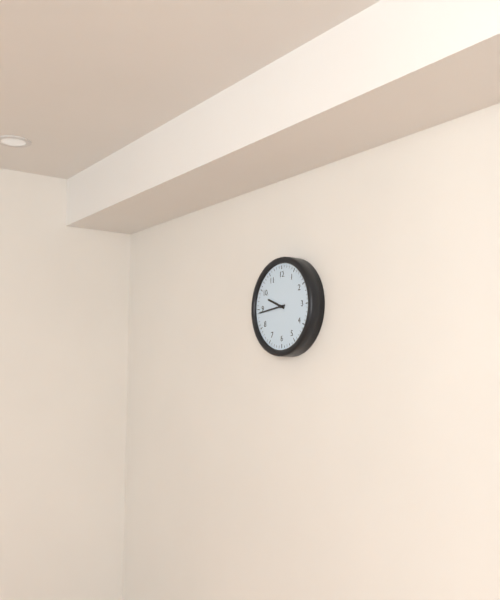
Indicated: 9:44
